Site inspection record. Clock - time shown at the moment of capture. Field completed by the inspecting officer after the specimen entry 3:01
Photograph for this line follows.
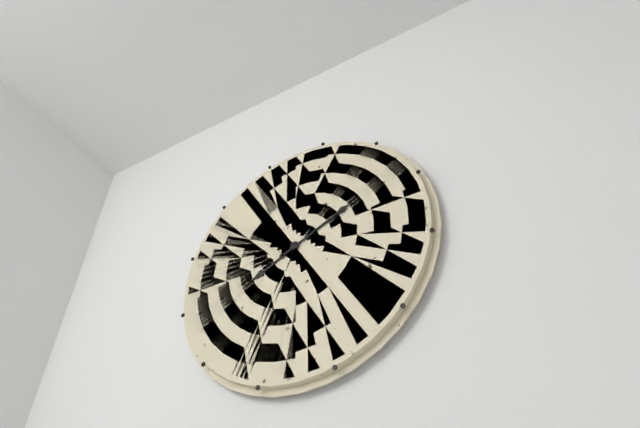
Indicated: 8:11
